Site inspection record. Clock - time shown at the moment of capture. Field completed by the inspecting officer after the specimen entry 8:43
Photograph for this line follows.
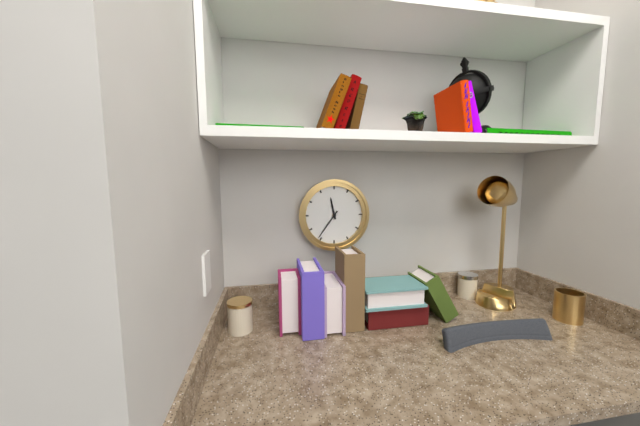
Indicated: 11:36
